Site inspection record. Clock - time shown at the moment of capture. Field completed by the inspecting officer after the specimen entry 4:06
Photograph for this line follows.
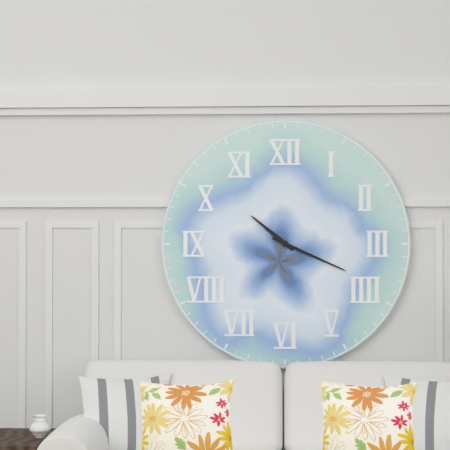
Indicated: 10:19
